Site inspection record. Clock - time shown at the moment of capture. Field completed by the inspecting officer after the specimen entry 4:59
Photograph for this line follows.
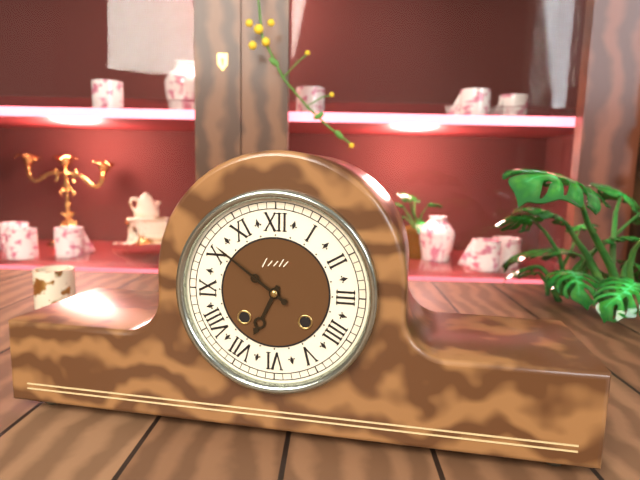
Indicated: 6:51
